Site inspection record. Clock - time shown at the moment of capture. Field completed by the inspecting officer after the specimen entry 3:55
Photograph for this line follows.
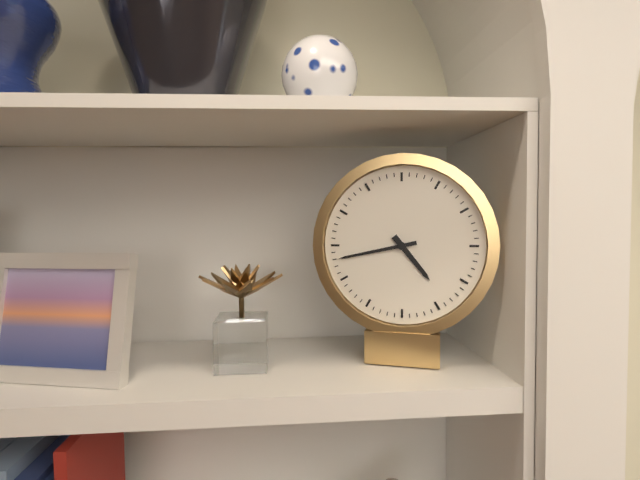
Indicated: 4:43
